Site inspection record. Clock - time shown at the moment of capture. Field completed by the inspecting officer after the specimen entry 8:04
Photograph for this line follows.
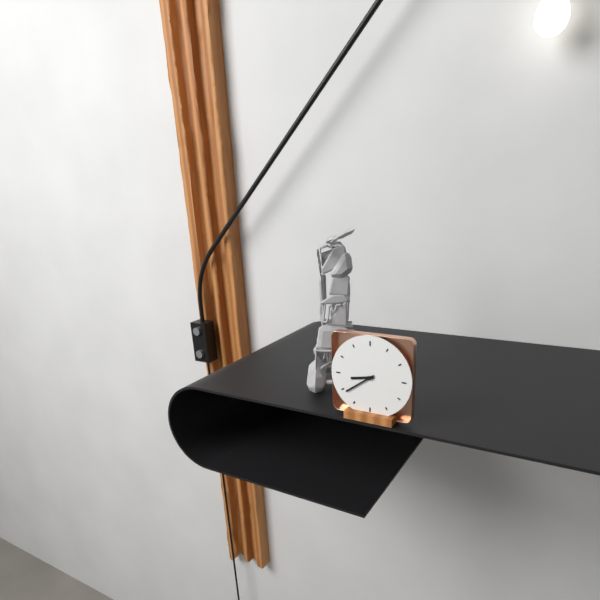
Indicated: 8:39
